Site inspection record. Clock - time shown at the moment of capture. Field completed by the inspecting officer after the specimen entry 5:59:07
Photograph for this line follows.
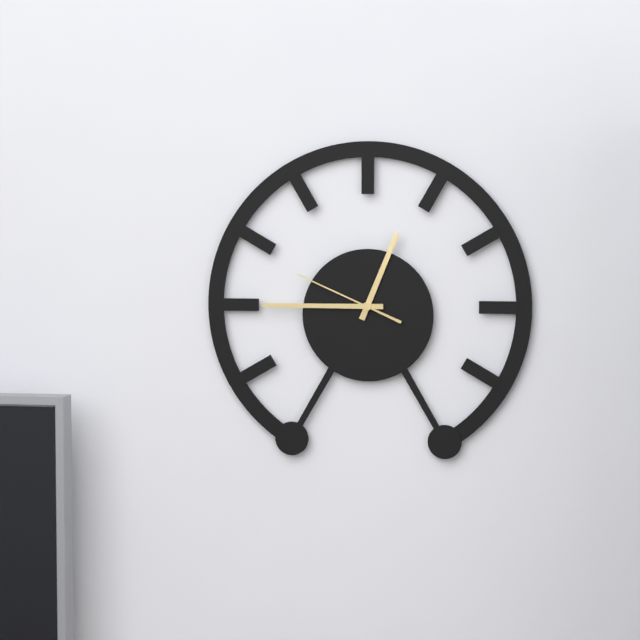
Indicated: 12:45:49
